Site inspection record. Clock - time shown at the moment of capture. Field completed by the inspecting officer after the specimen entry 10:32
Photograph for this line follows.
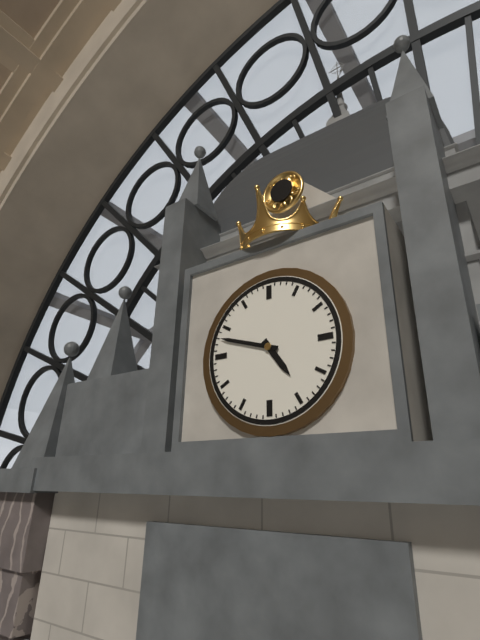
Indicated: 4:48
